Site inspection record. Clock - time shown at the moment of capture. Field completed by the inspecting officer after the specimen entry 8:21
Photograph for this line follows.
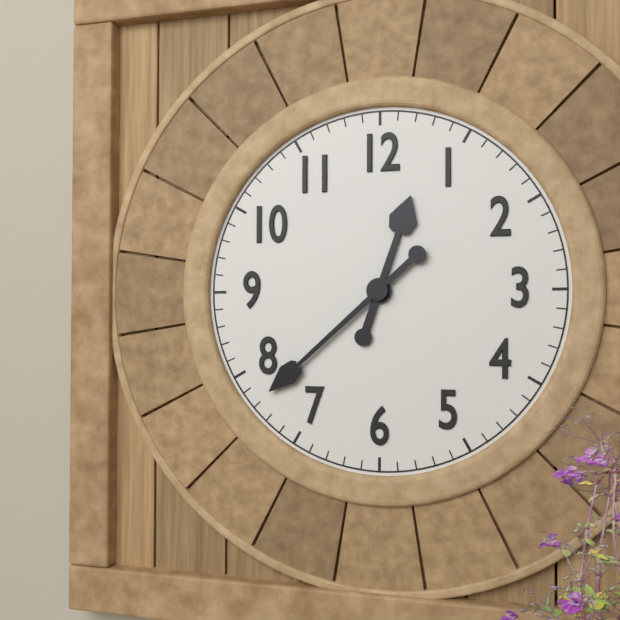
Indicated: 12:38
